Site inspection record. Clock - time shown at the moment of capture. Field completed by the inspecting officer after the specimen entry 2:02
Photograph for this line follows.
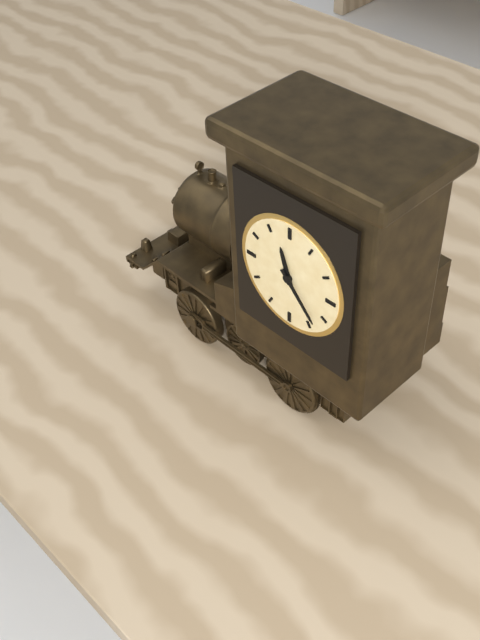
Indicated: 11:23
